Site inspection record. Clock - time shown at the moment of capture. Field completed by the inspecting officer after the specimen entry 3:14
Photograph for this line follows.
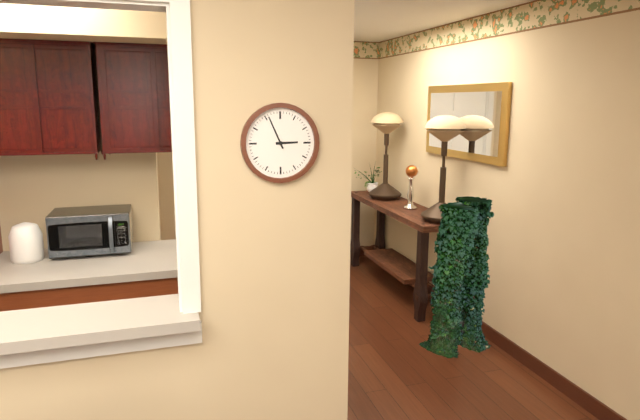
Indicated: 2:56
